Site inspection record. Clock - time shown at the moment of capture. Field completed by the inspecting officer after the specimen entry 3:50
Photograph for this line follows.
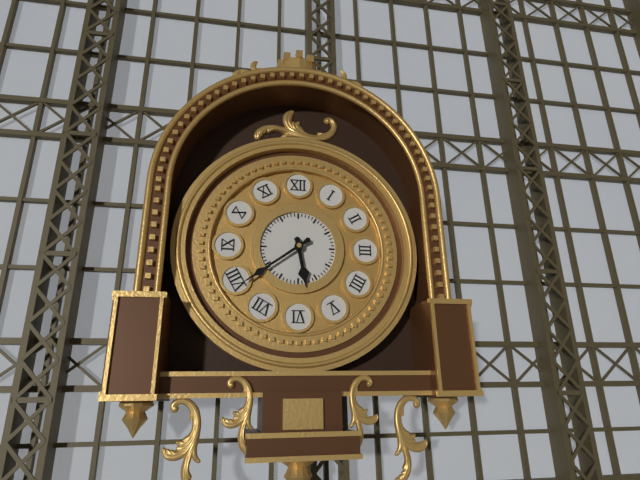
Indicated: 5:39
